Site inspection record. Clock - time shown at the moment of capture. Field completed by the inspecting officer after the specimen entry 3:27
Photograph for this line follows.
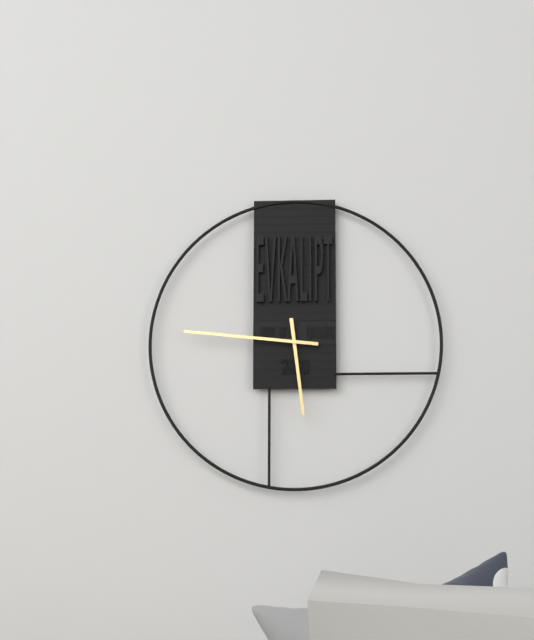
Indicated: 5:46
